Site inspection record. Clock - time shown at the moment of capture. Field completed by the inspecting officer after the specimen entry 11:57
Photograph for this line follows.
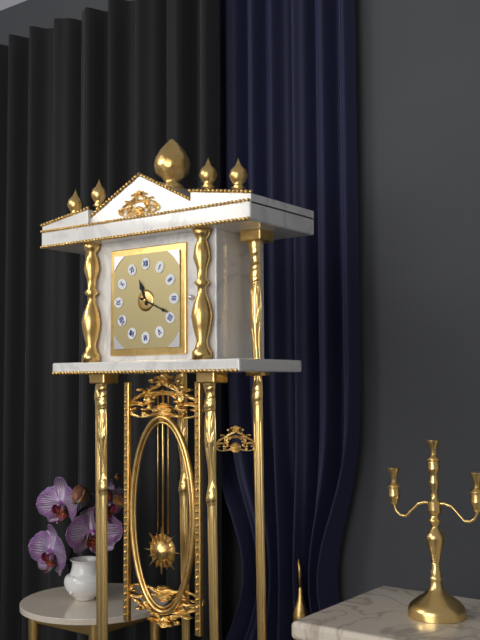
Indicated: 11:19
